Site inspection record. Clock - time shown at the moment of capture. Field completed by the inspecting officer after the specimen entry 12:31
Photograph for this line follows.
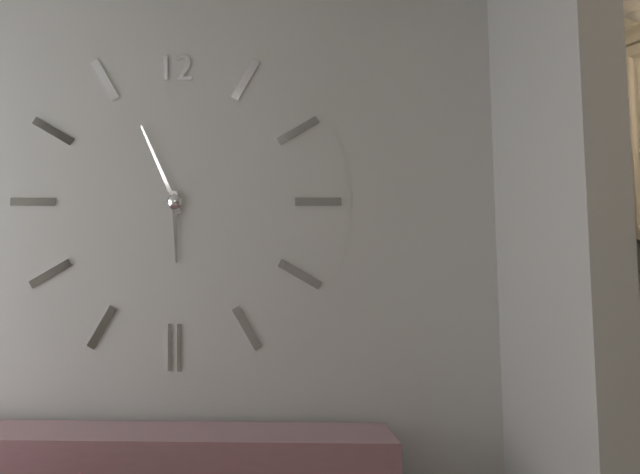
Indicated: 5:56
